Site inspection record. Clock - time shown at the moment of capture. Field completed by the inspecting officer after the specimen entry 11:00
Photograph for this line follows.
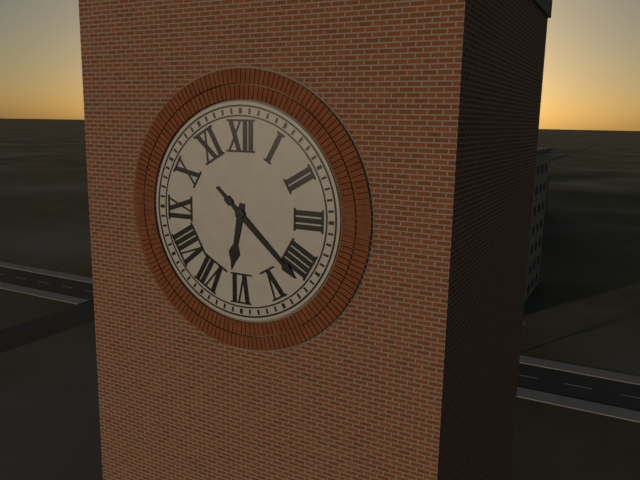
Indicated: 6:22
